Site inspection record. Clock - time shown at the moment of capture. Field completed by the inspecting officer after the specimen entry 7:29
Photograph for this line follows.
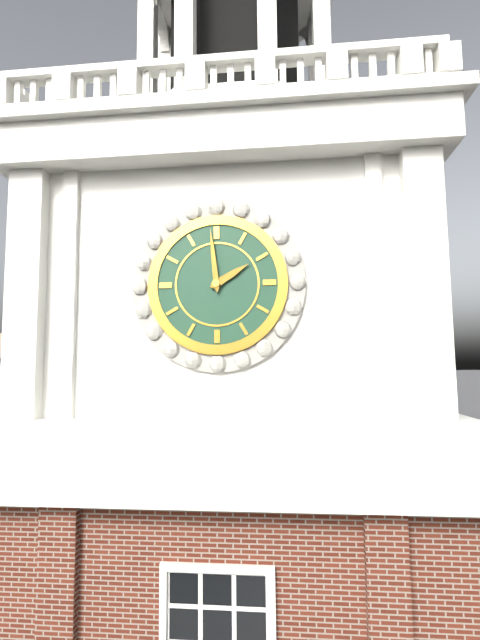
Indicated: 1:59
